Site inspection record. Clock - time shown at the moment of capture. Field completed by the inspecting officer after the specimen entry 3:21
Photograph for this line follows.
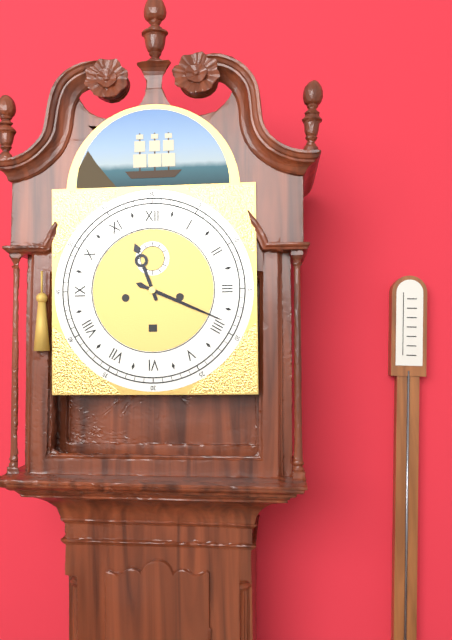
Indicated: 11:19
